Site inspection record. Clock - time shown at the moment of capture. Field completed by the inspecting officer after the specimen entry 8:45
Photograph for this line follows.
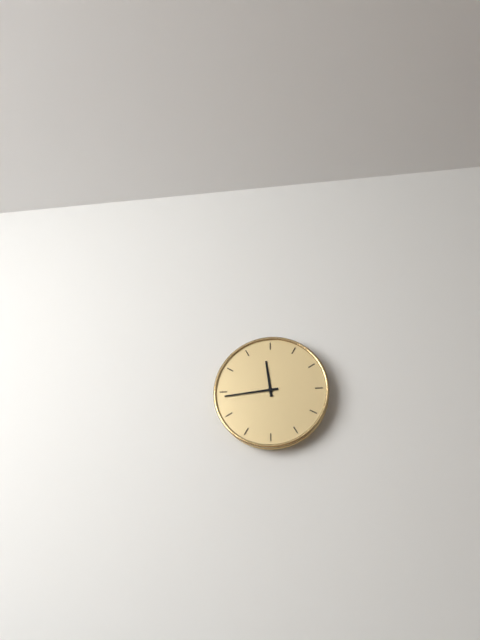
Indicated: 11:44
